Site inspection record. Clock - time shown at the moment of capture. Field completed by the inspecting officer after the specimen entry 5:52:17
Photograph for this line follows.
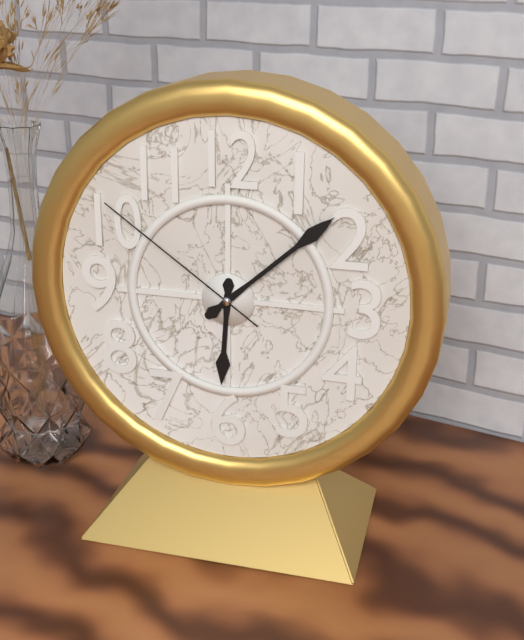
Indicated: 6:08:51
